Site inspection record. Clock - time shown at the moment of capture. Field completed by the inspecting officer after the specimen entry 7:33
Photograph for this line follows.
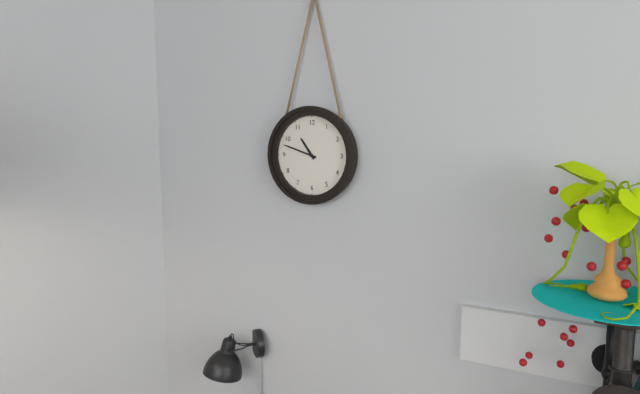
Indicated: 10:48
